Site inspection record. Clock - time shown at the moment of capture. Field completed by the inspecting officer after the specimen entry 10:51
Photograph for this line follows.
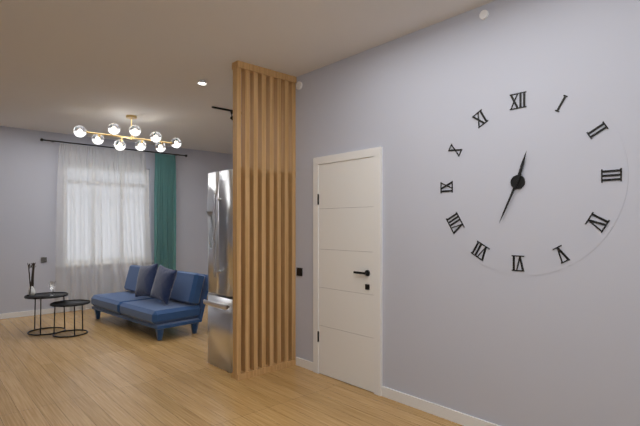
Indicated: 12:34
